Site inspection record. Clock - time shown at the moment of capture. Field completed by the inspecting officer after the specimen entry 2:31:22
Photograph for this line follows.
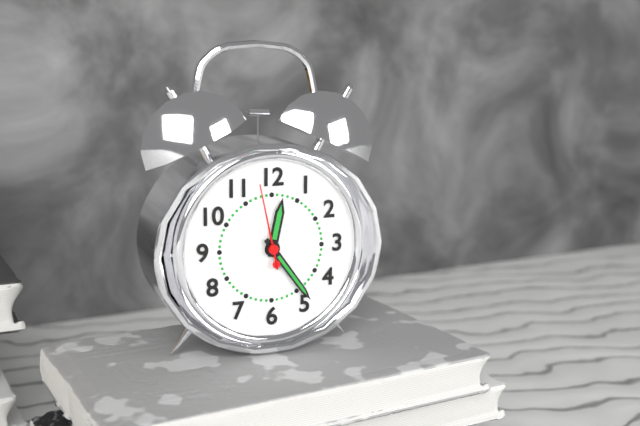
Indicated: 12:24:58
